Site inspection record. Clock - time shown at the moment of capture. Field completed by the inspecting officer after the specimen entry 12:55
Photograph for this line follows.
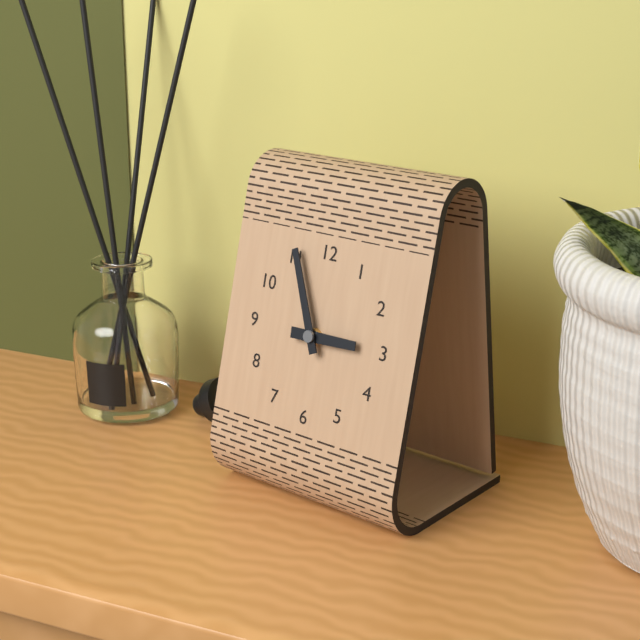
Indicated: 2:56
